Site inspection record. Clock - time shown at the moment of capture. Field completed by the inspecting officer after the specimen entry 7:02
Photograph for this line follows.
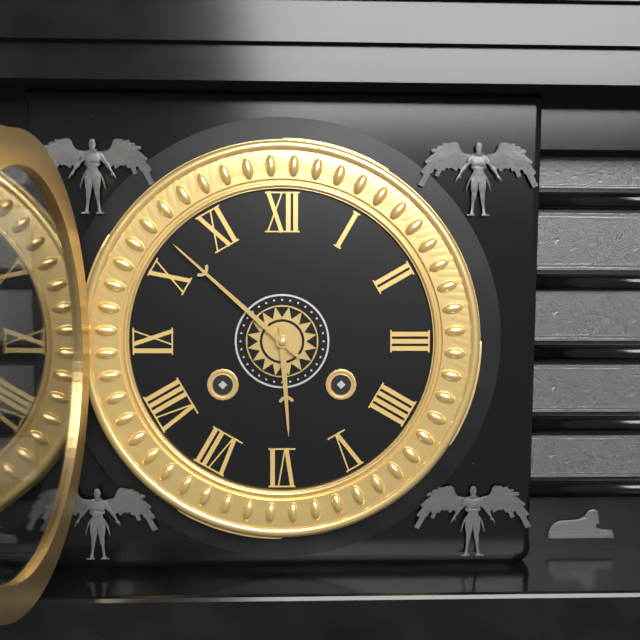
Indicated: 5:52
